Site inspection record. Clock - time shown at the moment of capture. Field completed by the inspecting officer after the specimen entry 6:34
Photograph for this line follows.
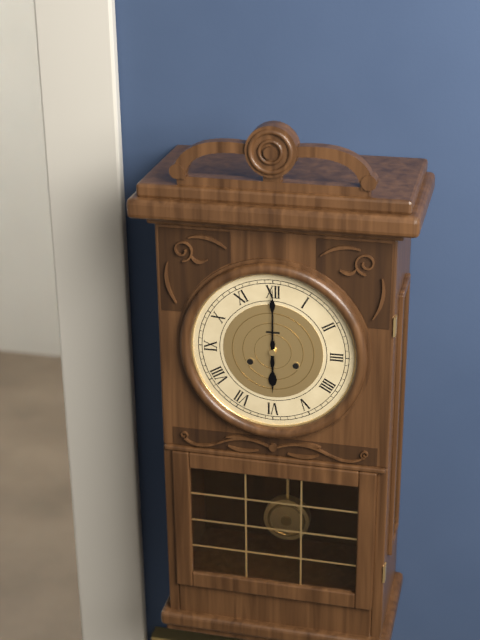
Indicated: 6:00
